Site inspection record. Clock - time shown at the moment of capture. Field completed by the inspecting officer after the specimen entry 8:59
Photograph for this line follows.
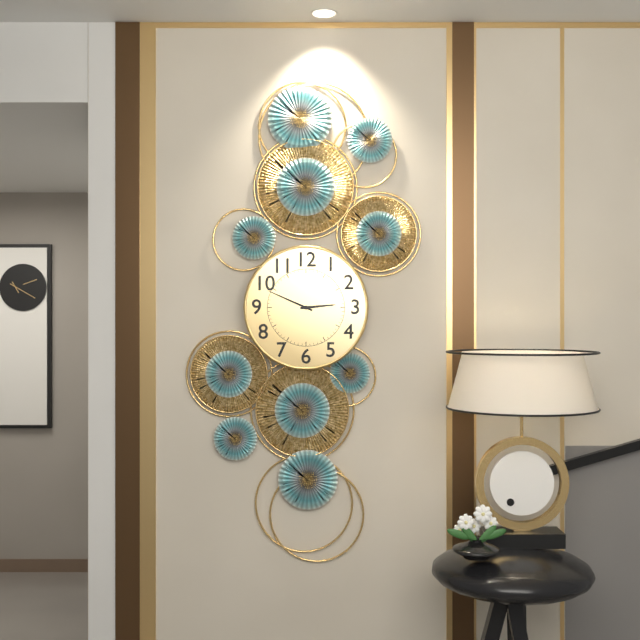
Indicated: 2:49
